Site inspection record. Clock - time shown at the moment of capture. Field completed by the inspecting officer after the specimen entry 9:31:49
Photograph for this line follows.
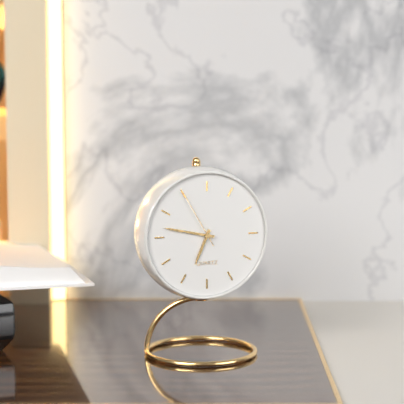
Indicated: 6:47:55
